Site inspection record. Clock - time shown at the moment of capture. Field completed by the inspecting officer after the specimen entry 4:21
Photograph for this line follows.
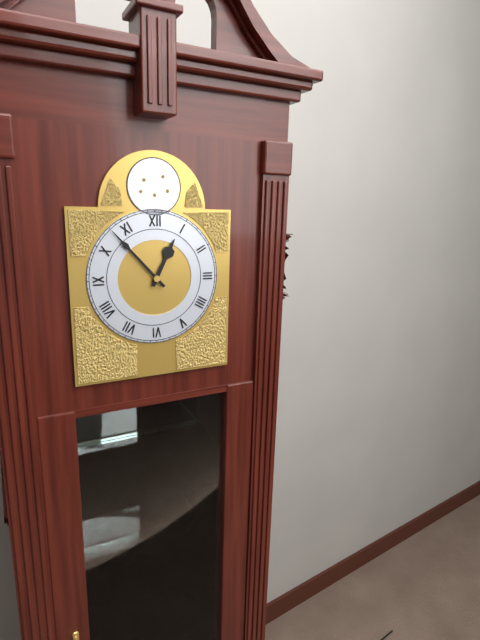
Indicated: 12:53
